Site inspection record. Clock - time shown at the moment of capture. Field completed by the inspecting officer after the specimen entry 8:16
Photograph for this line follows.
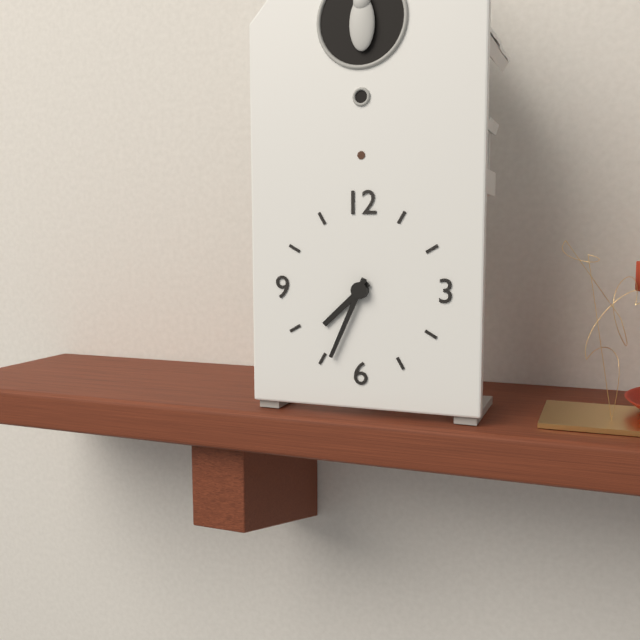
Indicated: 7:34
